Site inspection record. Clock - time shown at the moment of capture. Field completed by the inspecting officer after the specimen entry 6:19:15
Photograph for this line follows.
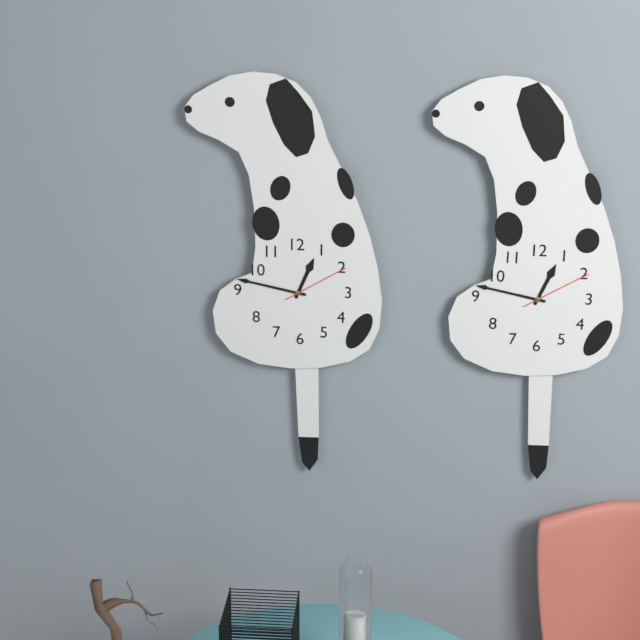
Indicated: 12:47:10
